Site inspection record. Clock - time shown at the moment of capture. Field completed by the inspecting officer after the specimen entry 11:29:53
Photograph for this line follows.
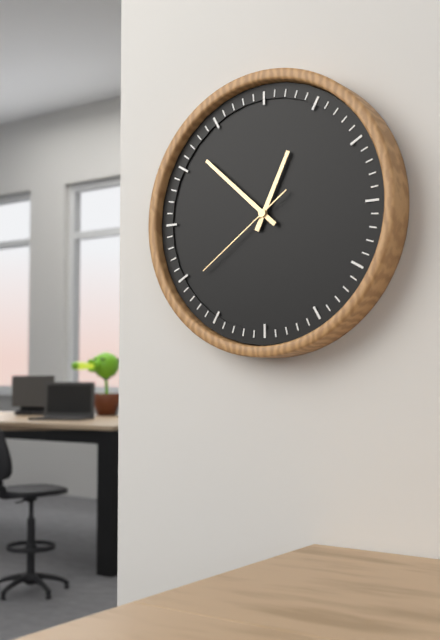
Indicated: 12:52:39
